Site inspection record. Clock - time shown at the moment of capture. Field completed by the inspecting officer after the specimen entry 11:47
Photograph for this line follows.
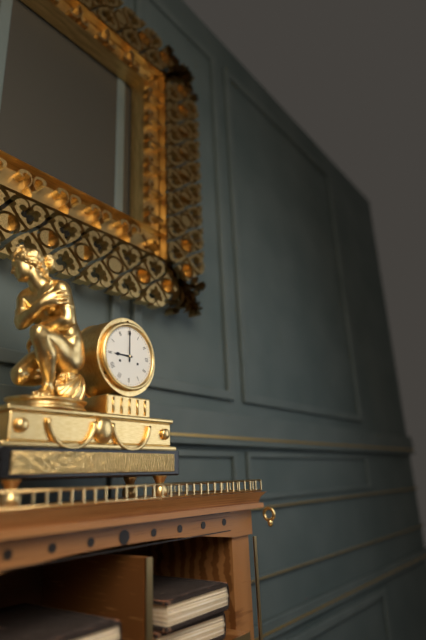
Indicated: 9:00
